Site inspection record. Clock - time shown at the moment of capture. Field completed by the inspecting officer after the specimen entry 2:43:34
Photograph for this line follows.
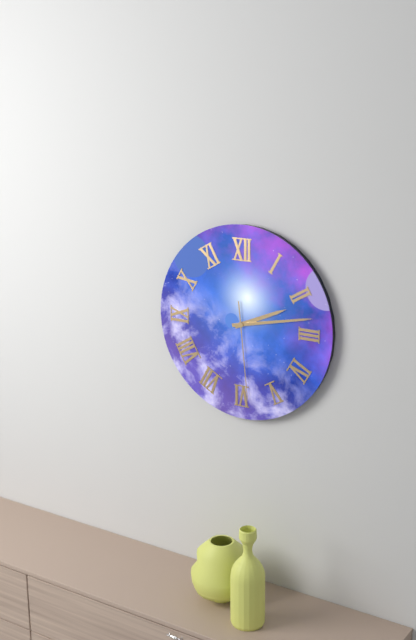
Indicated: 2:13:29
